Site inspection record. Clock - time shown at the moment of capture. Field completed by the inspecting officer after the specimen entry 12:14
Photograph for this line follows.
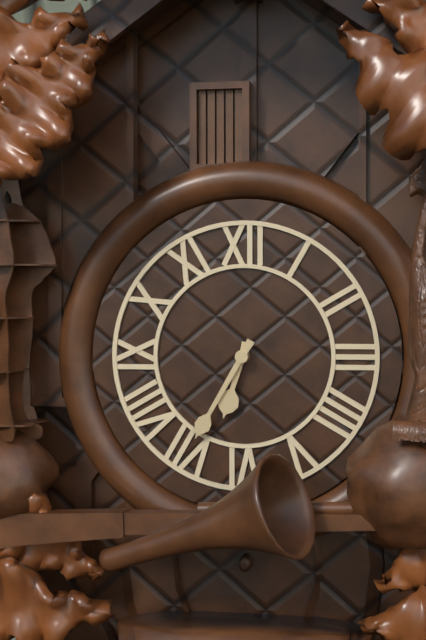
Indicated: 6:35
